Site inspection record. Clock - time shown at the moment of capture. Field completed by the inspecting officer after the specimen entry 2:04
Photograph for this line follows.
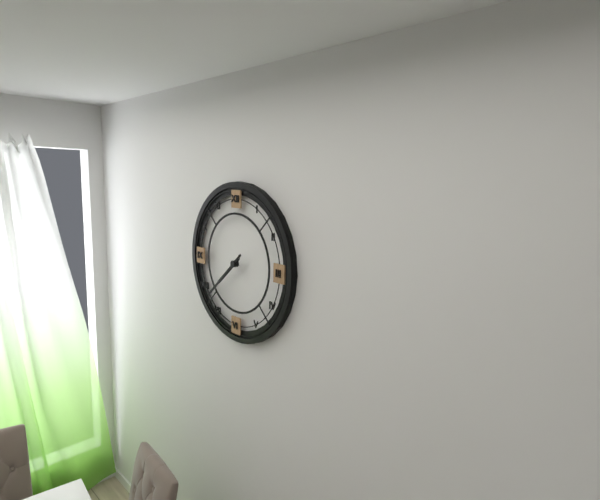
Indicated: 7:38
